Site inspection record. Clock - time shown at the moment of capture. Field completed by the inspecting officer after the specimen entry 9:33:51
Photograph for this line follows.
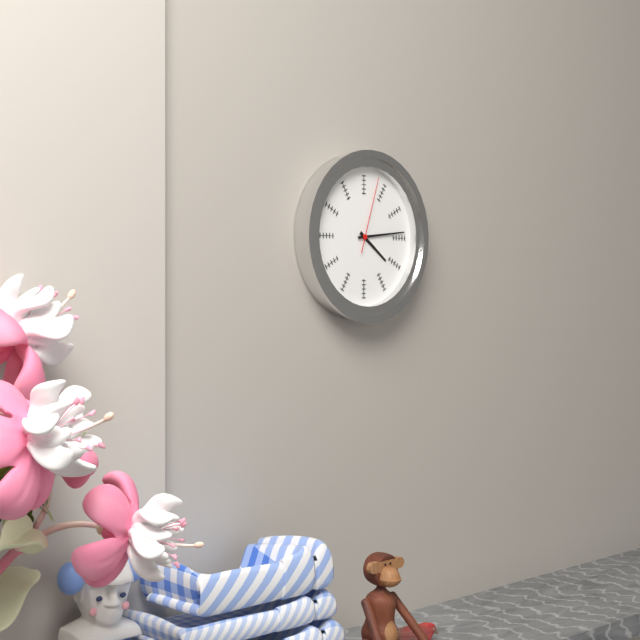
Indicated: 4:14:03
